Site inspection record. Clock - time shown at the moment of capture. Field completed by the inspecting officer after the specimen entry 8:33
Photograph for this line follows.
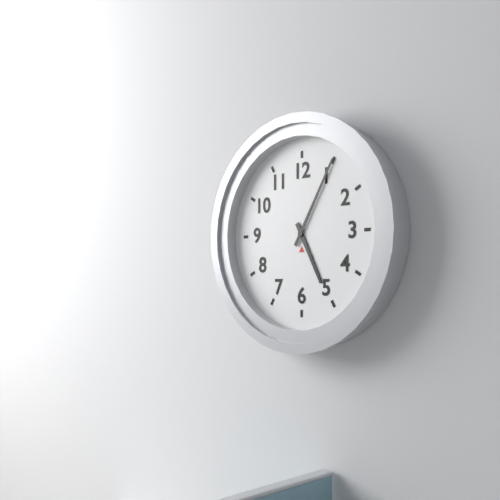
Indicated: 5:05
